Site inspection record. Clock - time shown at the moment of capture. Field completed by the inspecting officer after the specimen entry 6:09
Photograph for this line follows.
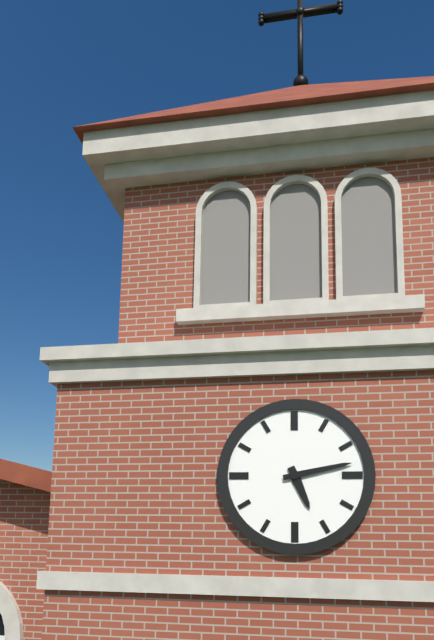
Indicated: 5:13
